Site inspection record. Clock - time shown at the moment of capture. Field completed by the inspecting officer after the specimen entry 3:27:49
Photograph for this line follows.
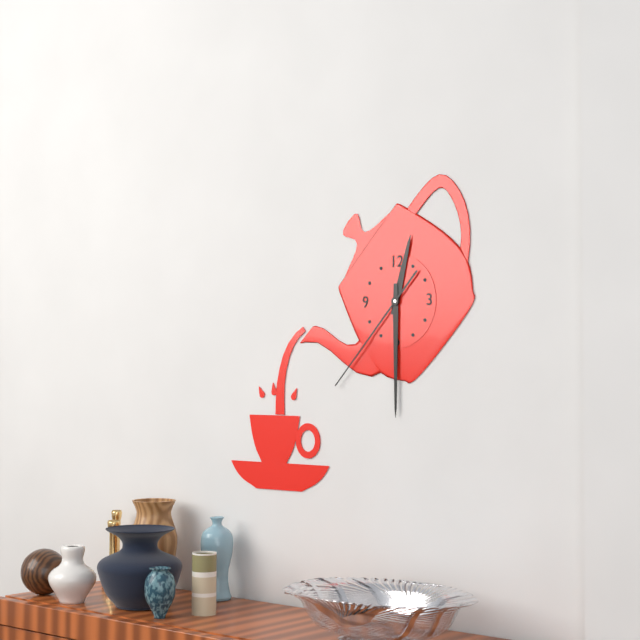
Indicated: 12:30:37
